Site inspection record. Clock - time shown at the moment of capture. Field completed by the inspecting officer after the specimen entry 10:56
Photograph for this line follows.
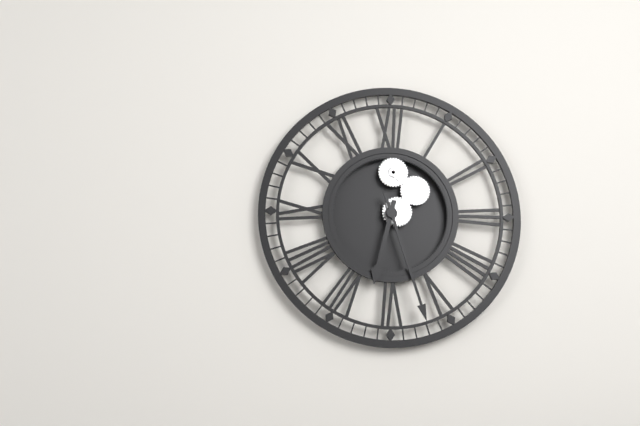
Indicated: 6:27
